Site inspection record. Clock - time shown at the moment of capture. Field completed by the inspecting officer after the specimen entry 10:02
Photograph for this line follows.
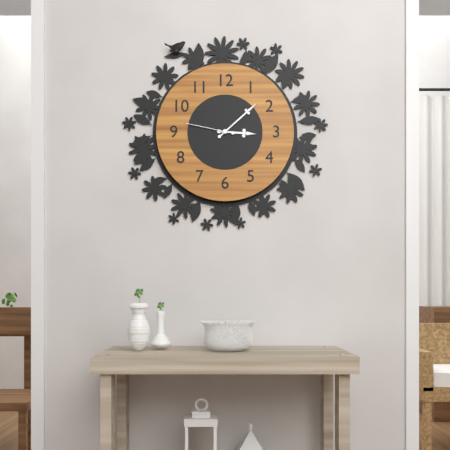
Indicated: 3:08
